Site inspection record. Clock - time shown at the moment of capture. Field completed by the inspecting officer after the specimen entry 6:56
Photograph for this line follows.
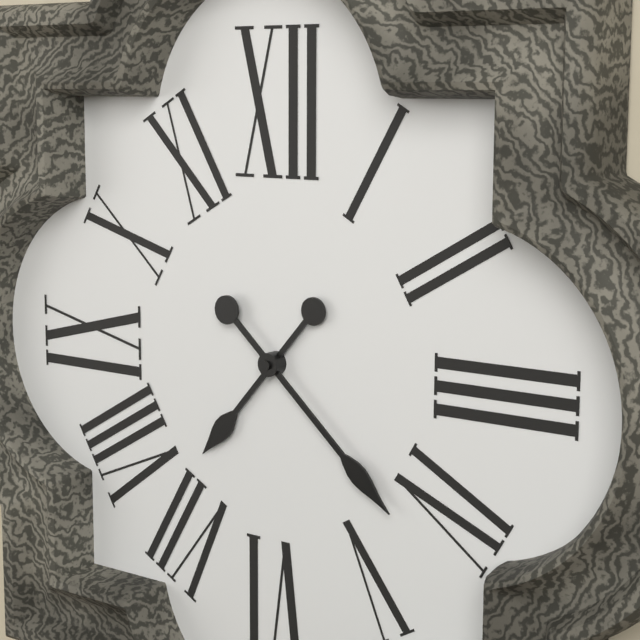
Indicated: 7:22
